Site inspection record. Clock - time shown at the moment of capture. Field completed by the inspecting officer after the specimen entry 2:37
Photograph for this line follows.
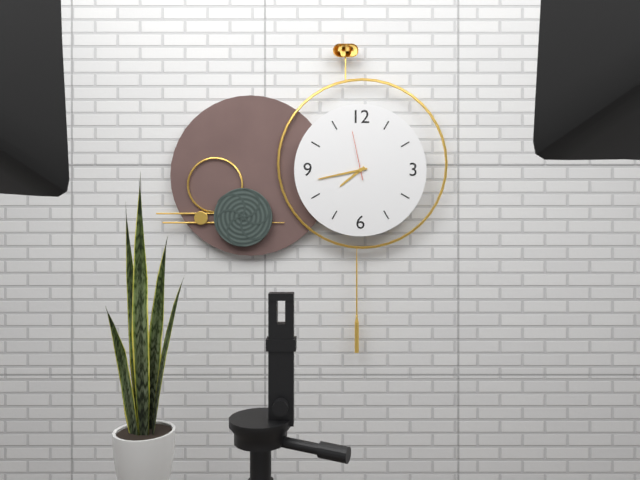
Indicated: 7:43
